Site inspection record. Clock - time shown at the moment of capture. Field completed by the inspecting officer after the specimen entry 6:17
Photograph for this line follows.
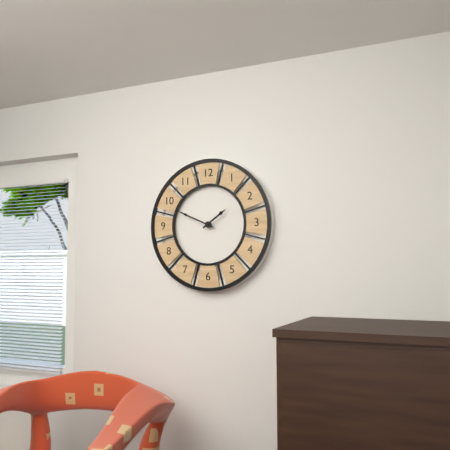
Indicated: 1:49
